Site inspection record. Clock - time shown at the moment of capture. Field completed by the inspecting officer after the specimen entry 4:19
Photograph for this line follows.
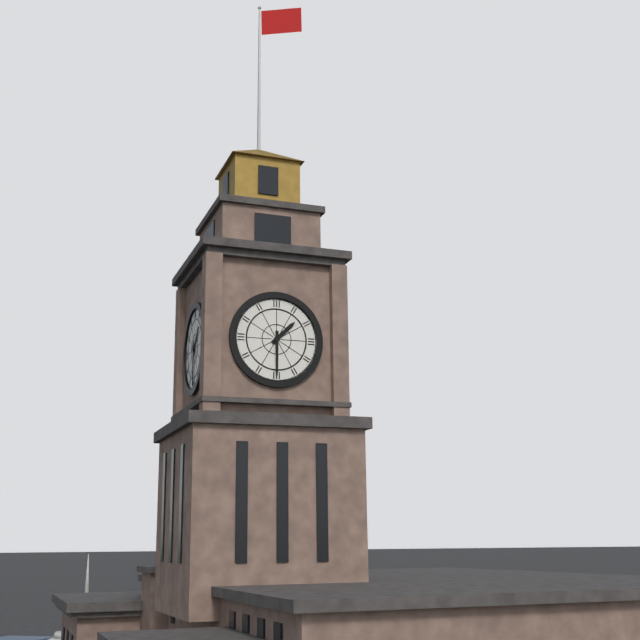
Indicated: 1:30
